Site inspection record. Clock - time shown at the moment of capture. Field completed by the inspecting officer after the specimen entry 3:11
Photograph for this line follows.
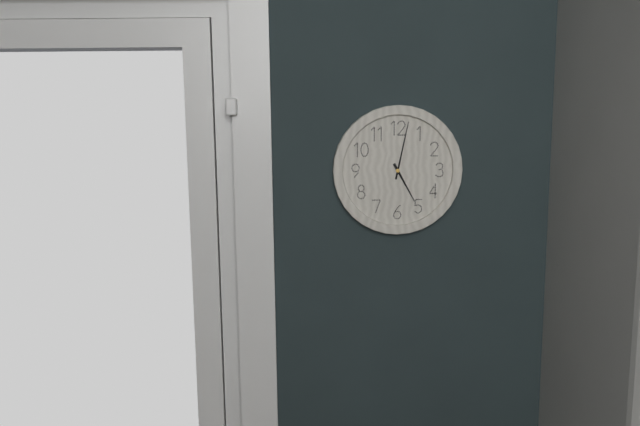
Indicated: 5:02
